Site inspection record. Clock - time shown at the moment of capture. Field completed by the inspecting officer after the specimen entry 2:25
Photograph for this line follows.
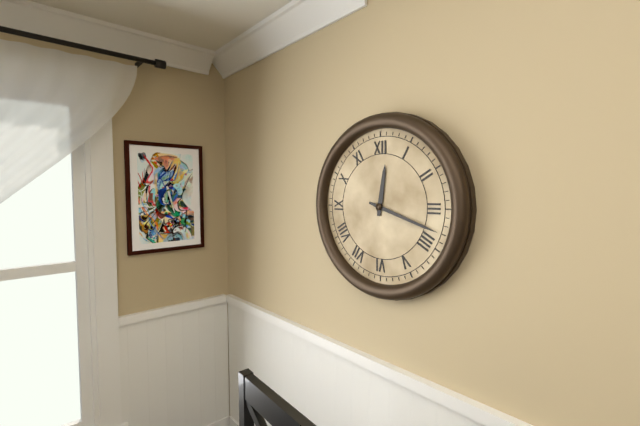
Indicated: 12:18
